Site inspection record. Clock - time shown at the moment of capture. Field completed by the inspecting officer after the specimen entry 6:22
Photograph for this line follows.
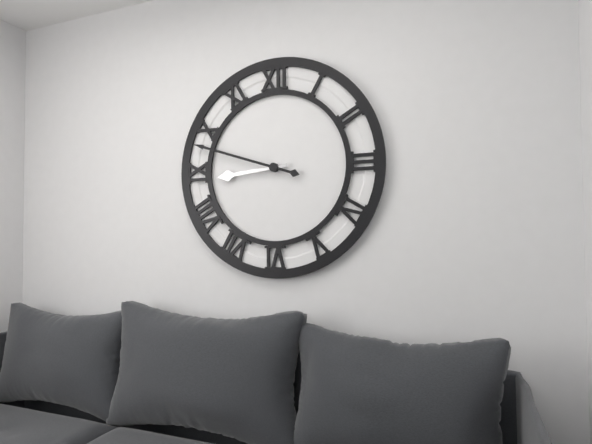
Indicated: 8:48
